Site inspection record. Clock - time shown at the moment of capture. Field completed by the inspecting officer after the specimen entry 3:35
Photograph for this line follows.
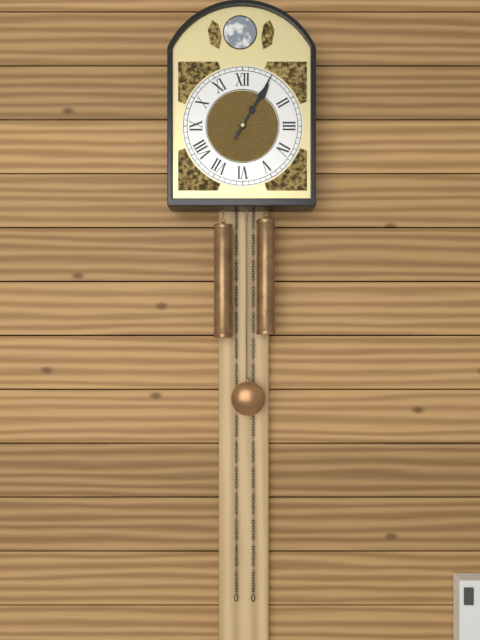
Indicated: 1:05
